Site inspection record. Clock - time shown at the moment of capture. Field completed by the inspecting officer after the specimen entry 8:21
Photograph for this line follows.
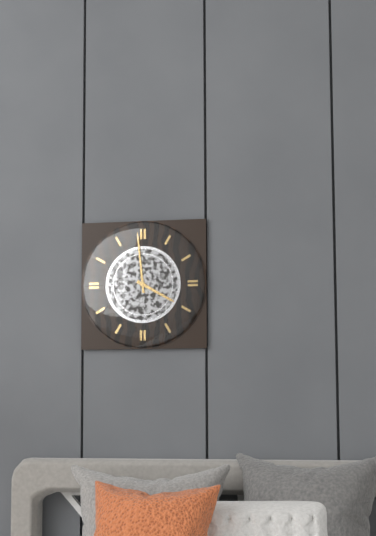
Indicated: 3:59
